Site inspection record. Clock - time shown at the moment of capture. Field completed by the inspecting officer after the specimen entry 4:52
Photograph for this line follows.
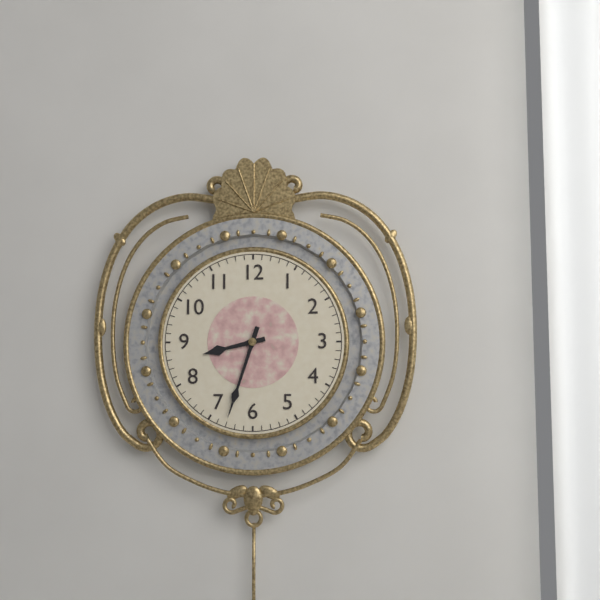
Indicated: 8:33
